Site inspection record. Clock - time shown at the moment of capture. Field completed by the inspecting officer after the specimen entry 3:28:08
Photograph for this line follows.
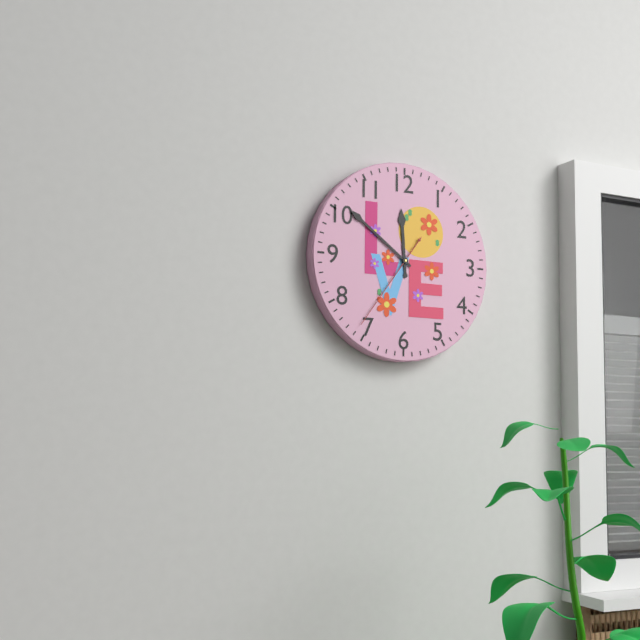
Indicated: 11:51:36
